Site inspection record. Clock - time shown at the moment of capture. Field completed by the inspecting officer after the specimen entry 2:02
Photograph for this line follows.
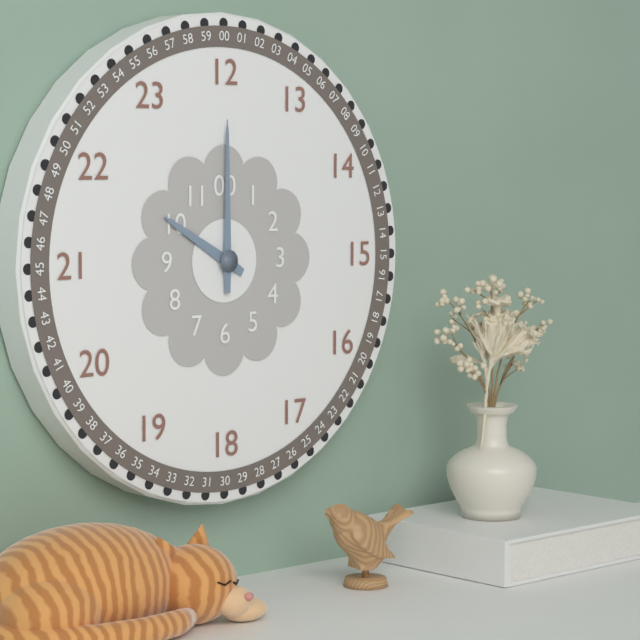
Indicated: 10:00
